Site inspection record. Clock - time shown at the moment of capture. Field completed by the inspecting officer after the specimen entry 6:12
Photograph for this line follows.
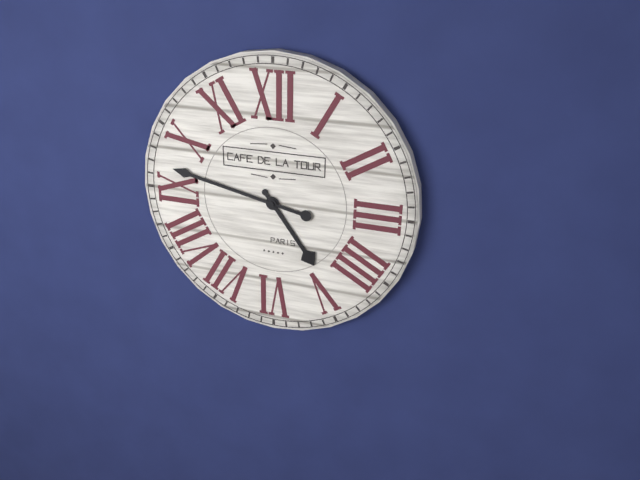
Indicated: 4:47
